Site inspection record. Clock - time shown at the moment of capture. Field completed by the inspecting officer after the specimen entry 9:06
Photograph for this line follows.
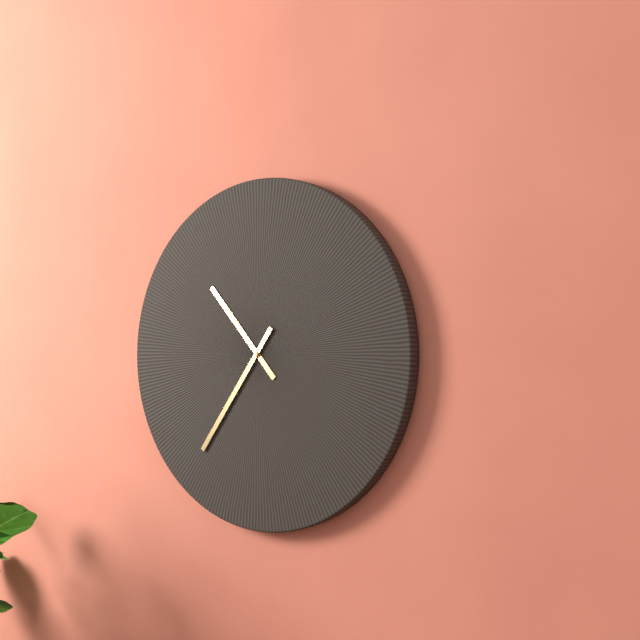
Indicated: 10:36
